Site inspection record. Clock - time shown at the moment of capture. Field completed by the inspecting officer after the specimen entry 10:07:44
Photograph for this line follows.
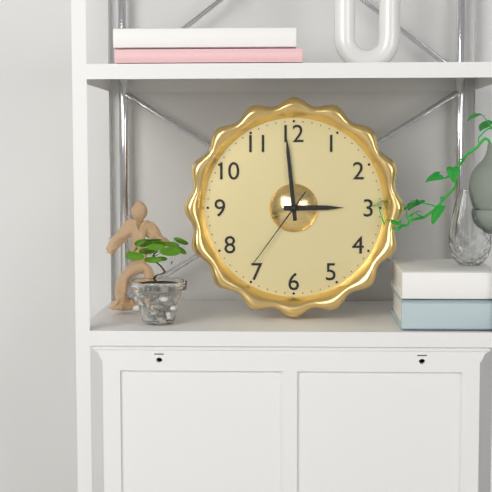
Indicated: 2:59:36
